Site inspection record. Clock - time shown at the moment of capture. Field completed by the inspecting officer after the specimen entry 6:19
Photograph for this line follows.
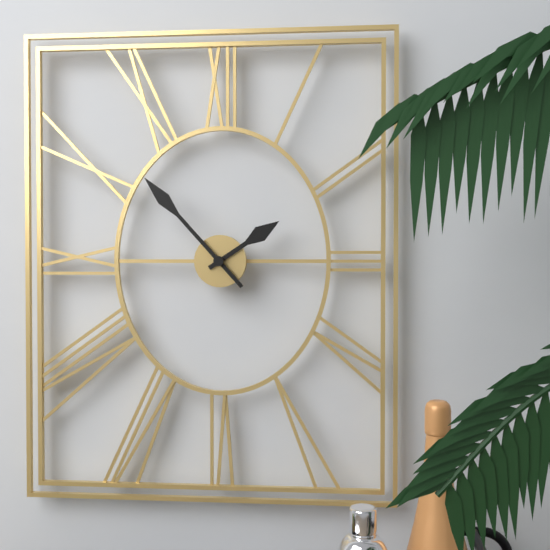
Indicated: 1:53
